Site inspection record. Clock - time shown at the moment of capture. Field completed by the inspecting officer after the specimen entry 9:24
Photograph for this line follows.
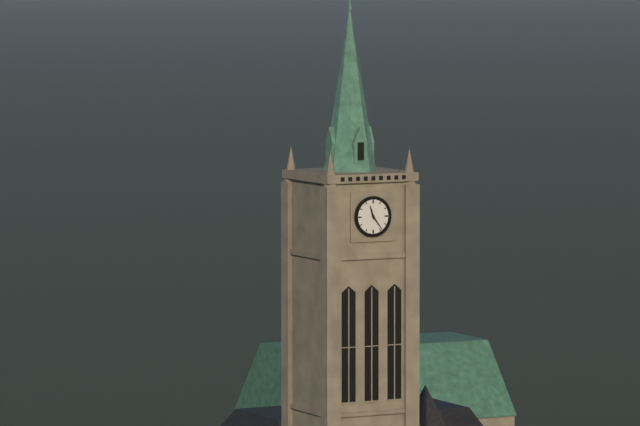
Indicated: 11:24
